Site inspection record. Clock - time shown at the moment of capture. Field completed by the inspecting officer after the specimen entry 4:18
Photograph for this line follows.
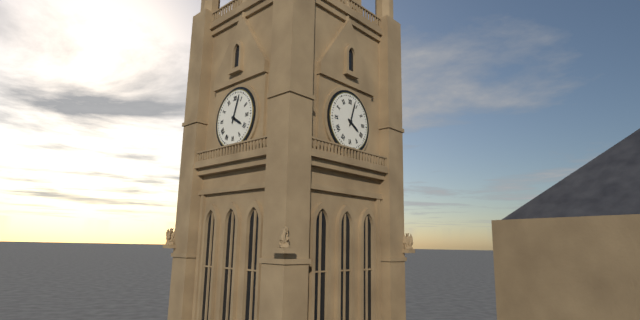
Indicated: 4:03
